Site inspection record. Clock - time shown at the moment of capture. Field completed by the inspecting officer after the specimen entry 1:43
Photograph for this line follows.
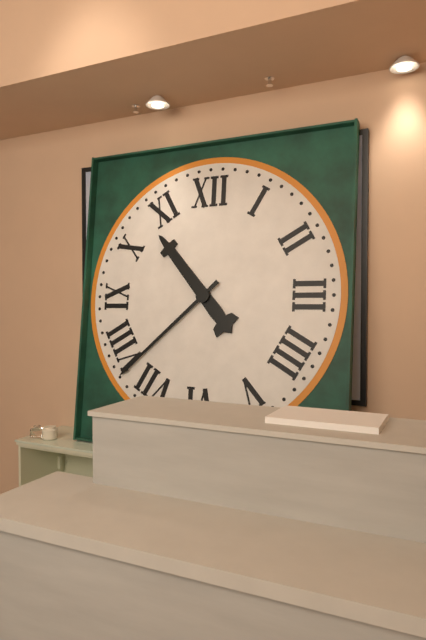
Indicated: 10:38
